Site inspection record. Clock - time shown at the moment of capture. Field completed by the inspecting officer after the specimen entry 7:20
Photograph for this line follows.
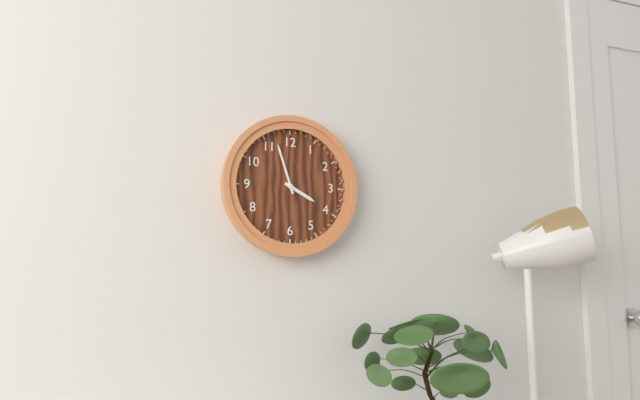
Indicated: 3:57
